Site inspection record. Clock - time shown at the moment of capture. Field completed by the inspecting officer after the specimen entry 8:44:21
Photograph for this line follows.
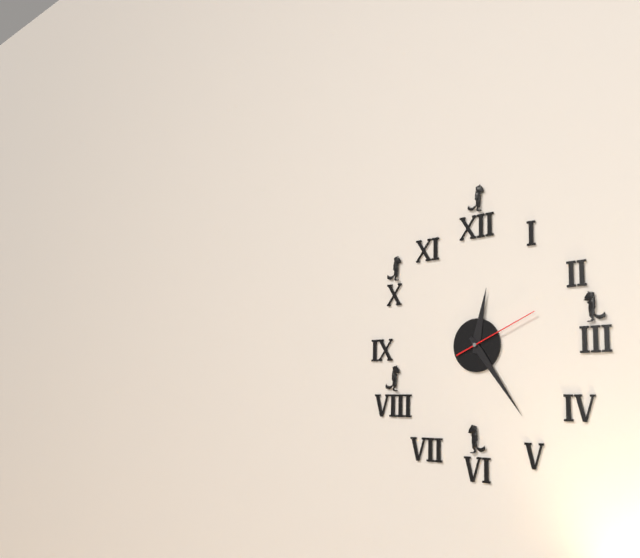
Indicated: 12:24:11
